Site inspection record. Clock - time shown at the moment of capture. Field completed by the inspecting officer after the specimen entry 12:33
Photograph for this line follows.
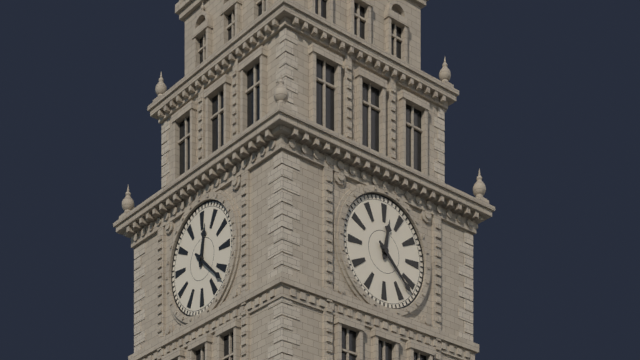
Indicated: 12:22
